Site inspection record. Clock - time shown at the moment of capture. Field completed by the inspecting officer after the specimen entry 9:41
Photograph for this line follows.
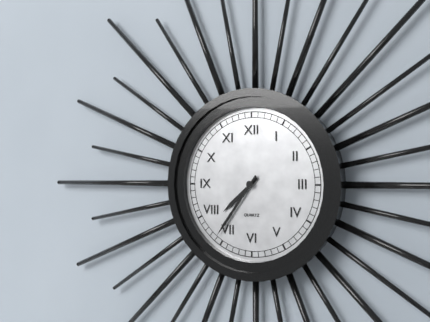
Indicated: 7:36
